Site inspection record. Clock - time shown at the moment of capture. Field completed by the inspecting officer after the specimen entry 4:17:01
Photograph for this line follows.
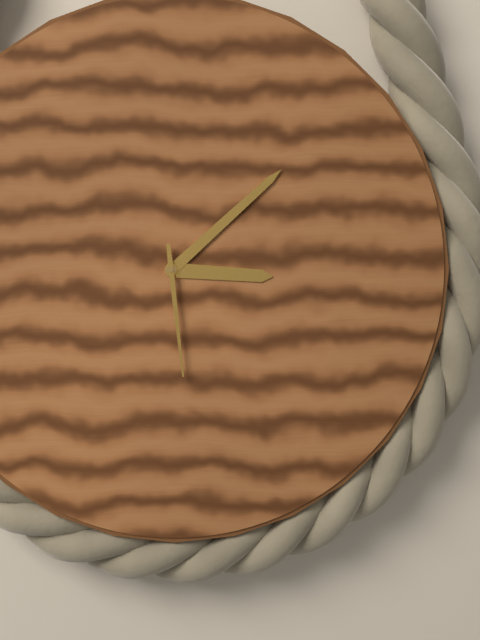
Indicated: 3:08:29
